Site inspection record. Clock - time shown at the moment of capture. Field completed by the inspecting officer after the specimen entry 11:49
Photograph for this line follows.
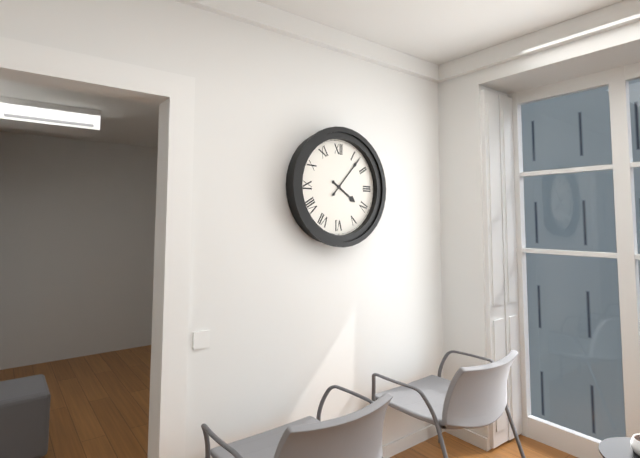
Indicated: 4:07
